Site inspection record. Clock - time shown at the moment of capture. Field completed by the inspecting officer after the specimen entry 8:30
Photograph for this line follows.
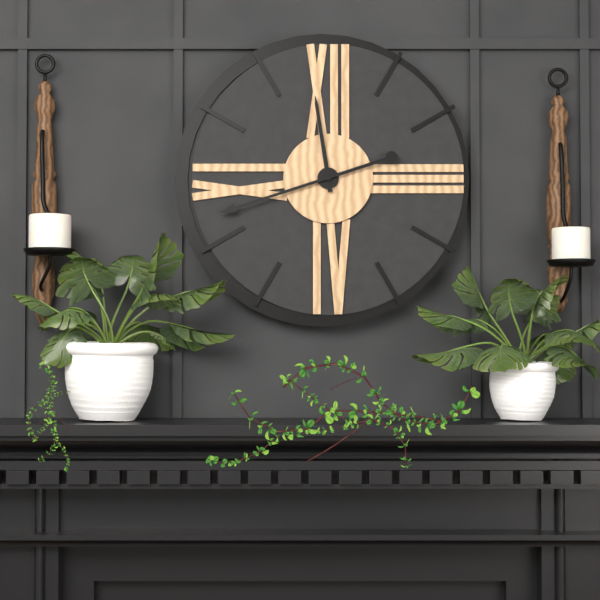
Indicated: 11:42
